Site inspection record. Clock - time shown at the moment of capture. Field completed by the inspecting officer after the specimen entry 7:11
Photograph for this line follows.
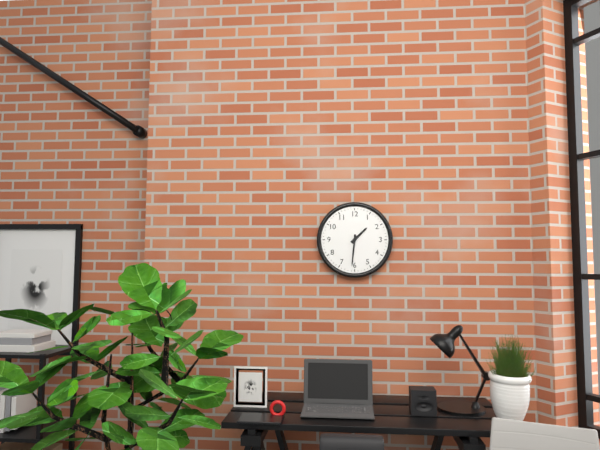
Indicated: 1:31
